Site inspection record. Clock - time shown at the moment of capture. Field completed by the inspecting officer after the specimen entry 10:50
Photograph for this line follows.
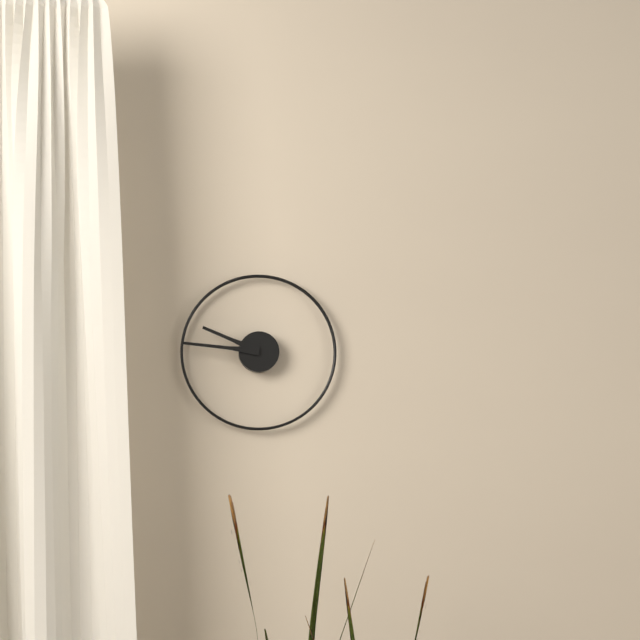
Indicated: 9:46
